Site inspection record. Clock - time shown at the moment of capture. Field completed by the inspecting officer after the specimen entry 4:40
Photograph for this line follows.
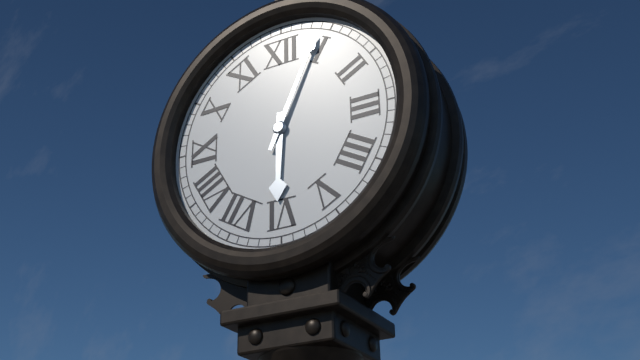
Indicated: 6:04
